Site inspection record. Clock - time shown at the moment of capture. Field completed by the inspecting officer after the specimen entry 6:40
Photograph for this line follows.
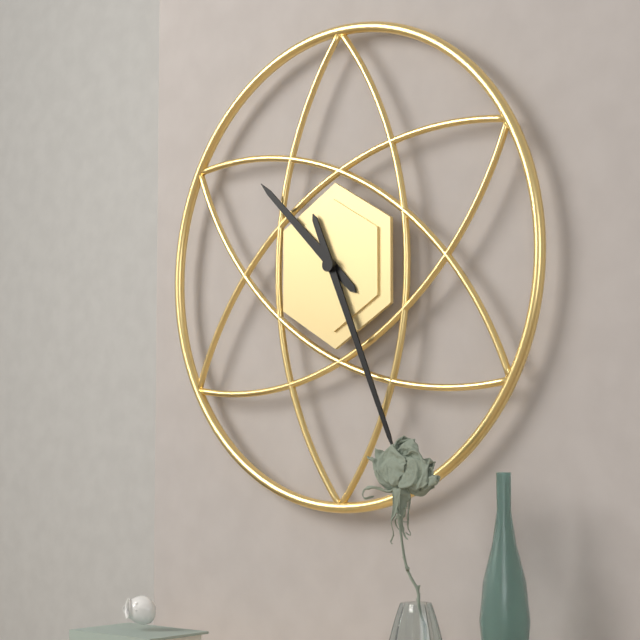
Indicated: 10:26
